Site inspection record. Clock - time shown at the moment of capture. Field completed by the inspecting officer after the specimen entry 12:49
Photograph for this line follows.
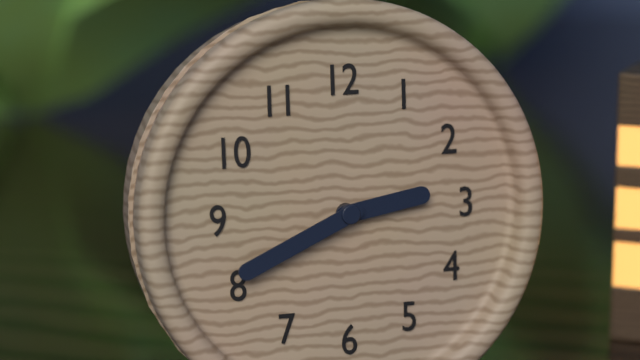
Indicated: 2:41
